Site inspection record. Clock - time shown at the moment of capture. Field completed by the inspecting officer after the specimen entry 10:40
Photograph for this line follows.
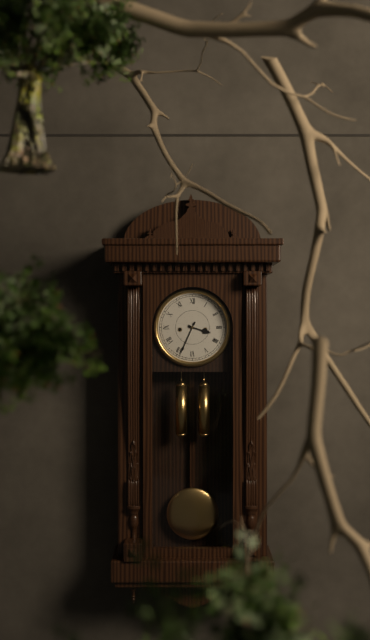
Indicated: 3:34
